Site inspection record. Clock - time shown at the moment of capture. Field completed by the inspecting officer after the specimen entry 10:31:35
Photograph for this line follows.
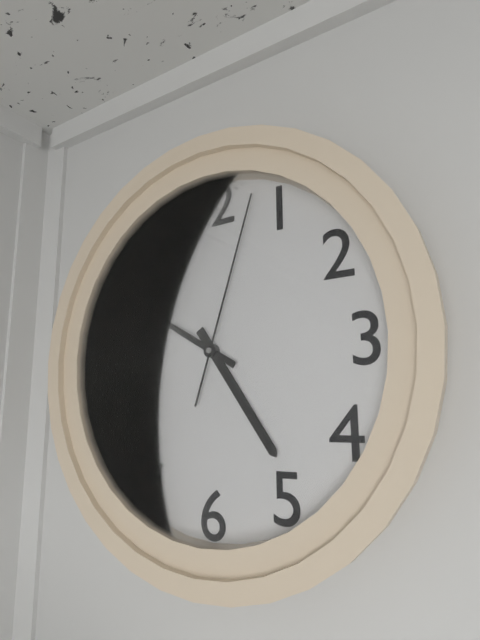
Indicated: 4:50:03
